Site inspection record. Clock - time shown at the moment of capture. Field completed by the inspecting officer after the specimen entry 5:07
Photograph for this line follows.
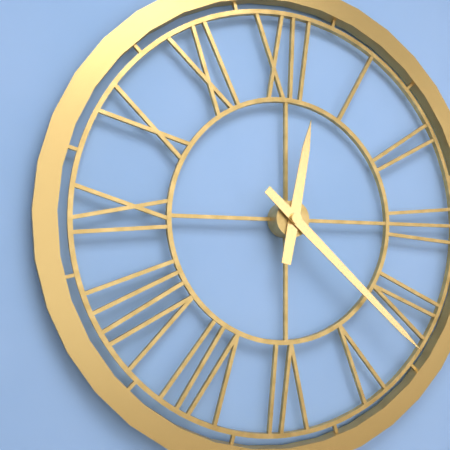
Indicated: 12:22
